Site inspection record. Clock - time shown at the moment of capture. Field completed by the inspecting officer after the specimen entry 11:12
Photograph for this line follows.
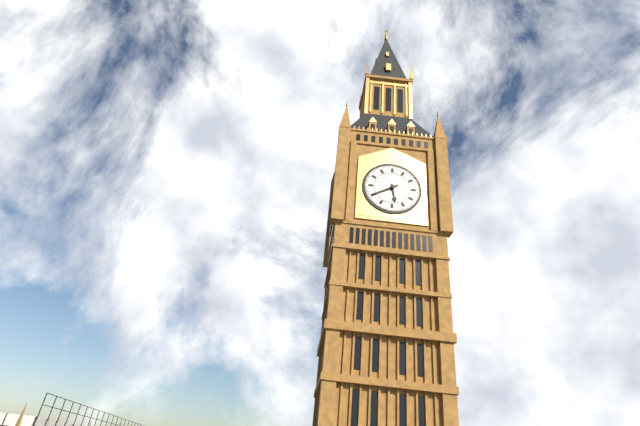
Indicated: 5:40
